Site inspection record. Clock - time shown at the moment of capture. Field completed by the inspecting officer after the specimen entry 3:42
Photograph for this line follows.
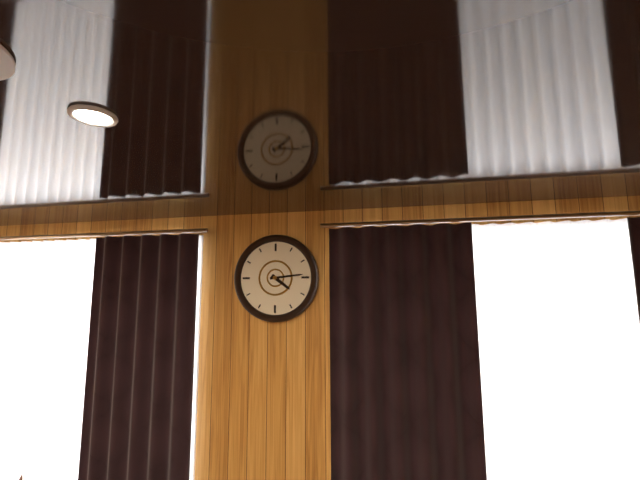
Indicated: 4:14
